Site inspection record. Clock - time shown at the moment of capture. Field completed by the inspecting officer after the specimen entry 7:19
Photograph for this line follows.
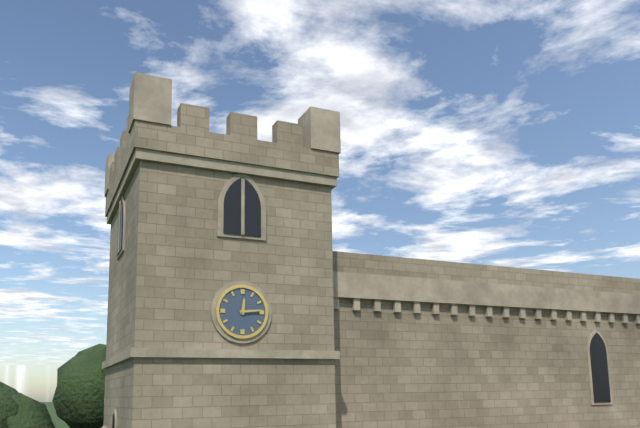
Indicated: 12:14
